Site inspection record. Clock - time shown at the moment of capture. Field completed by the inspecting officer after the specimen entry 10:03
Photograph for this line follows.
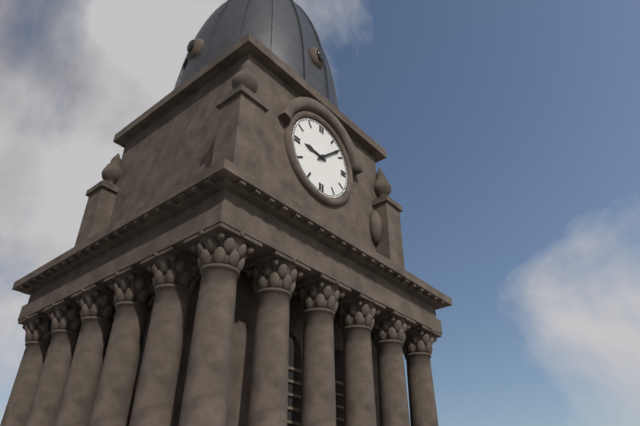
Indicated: 9:08
